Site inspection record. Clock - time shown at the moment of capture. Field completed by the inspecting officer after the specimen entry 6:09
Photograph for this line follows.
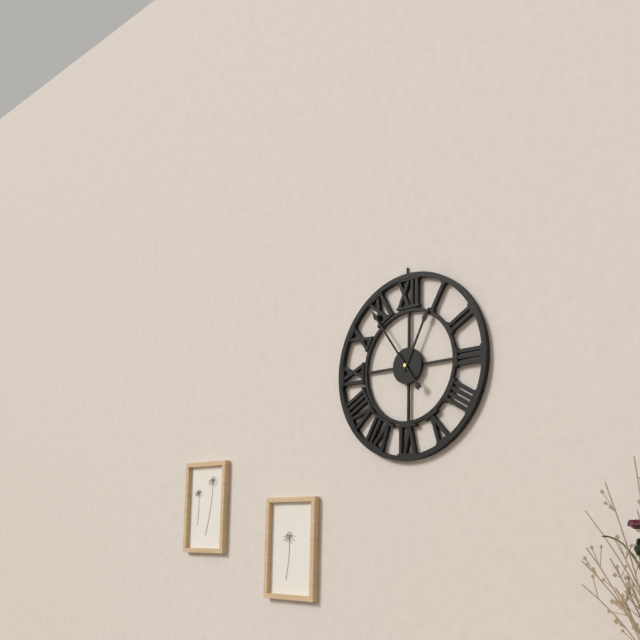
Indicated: 12:54
